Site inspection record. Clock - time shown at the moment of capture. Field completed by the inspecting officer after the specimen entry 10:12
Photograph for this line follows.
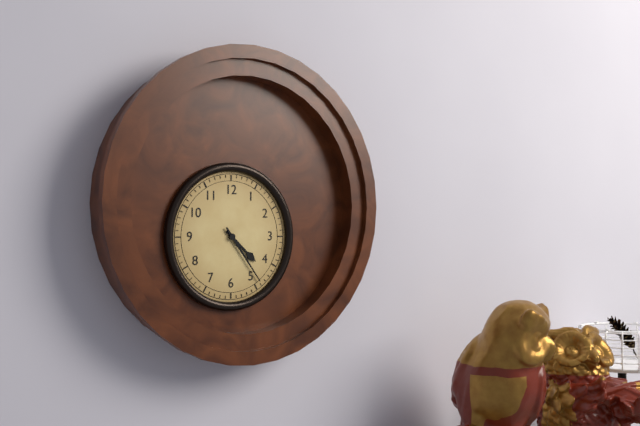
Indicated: 4:24
